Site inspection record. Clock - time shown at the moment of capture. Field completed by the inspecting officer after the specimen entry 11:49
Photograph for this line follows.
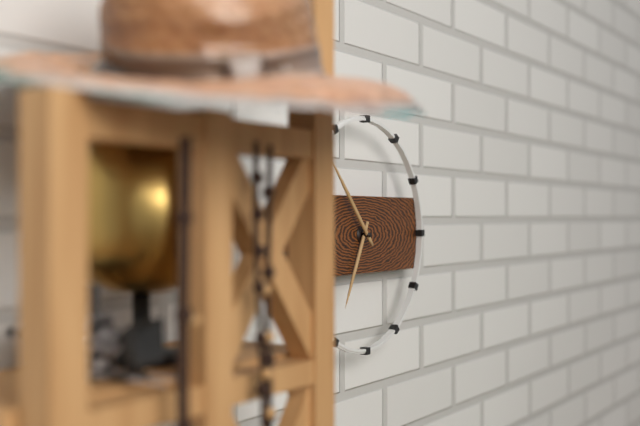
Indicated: 6:53
